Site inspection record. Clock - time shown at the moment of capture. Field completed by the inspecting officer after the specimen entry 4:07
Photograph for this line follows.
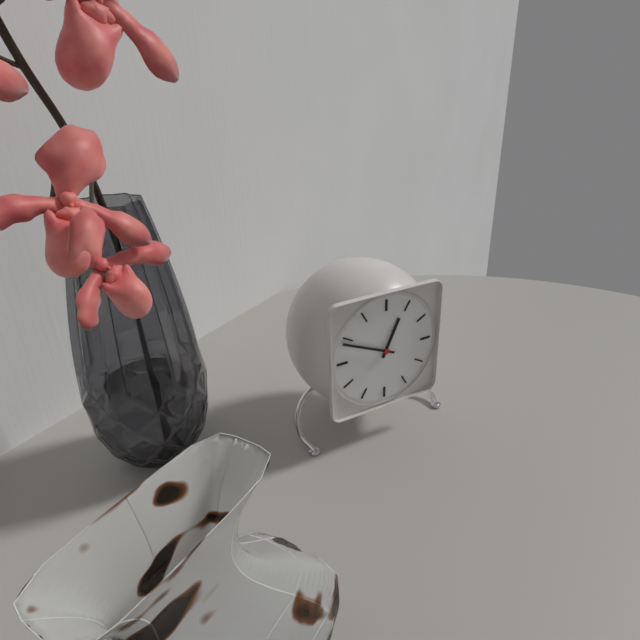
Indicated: 12:49
